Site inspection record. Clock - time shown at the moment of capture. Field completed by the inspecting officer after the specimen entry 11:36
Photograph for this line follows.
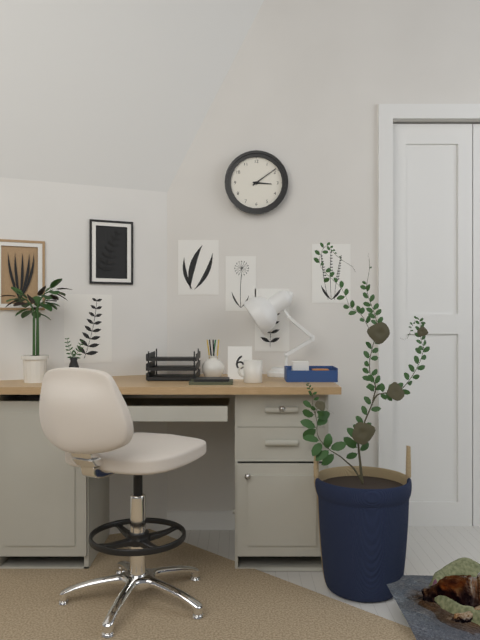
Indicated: 3:09
